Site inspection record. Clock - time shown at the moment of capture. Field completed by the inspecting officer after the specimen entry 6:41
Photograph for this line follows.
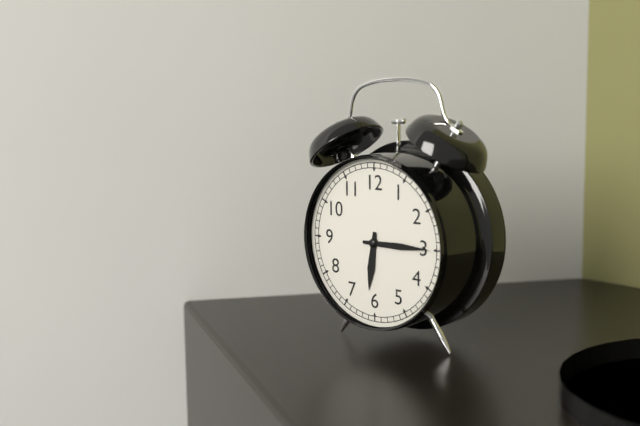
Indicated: 6:15
